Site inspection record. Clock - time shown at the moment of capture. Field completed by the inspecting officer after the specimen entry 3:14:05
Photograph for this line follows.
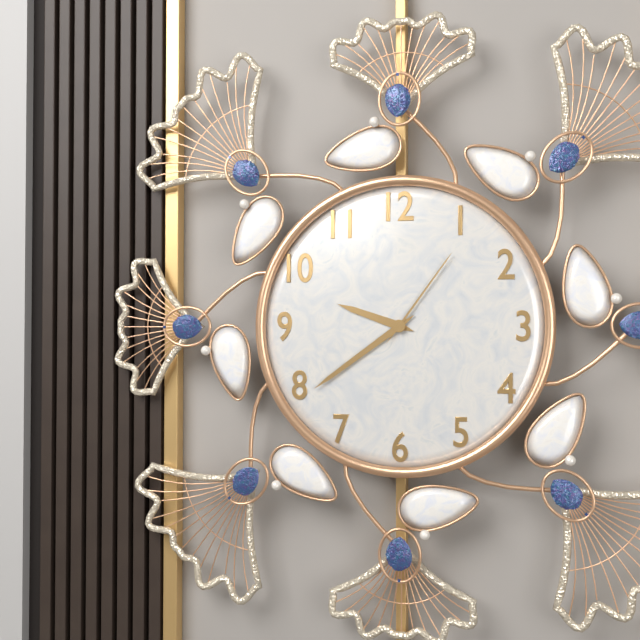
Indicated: 9:39:06
